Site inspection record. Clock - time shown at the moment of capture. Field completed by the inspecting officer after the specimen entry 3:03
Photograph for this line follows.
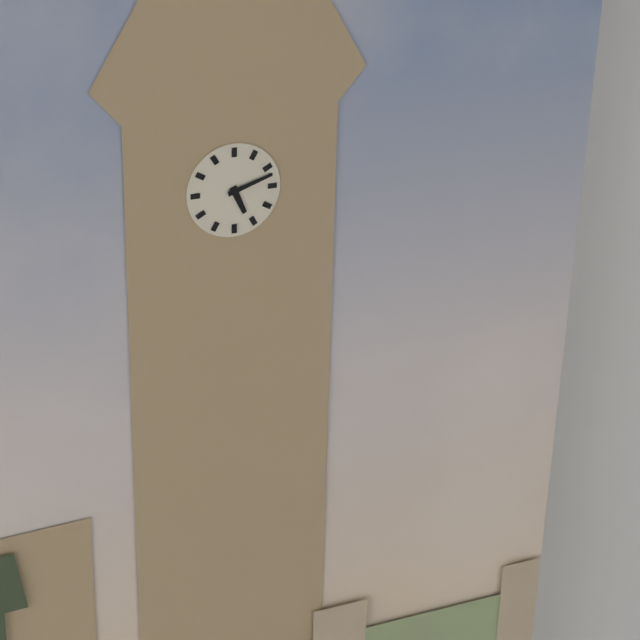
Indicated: 5:12
